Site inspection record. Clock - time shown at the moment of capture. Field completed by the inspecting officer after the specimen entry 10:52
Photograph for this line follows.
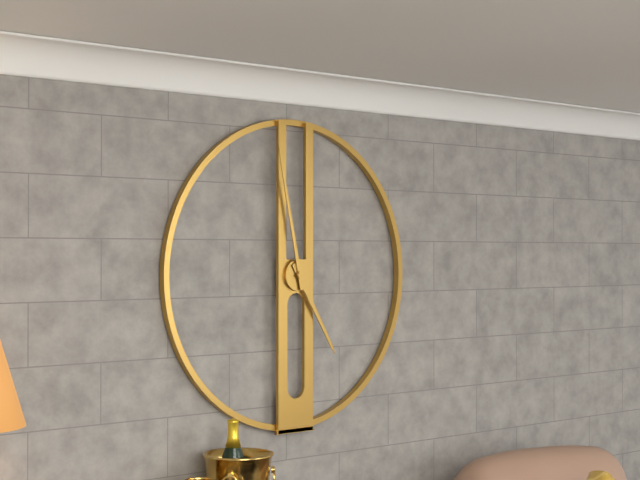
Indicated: 4:58
